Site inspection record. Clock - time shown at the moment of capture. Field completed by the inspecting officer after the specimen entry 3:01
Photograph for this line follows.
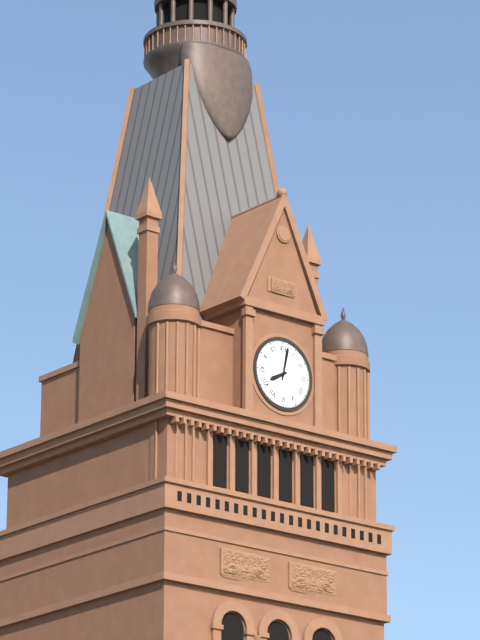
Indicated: 8:02
